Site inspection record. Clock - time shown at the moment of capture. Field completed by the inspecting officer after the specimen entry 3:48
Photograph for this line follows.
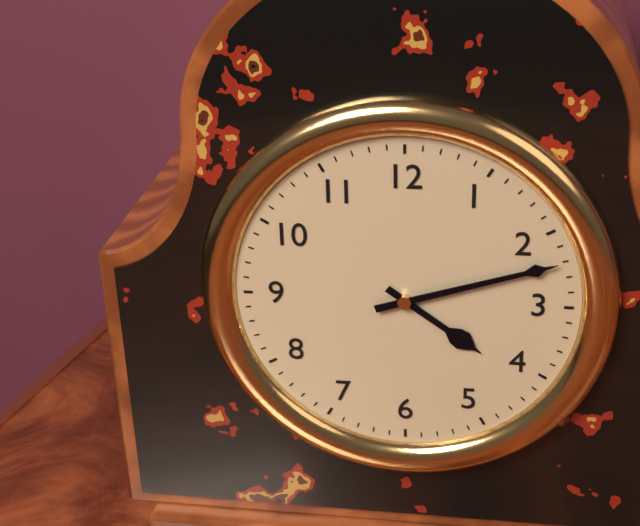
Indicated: 4:12
